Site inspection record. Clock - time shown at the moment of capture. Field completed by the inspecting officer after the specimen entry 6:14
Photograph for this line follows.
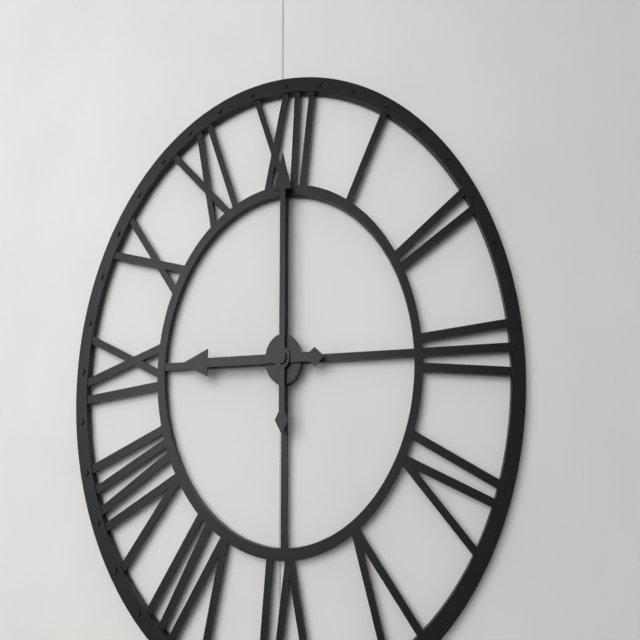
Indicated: 9:00
